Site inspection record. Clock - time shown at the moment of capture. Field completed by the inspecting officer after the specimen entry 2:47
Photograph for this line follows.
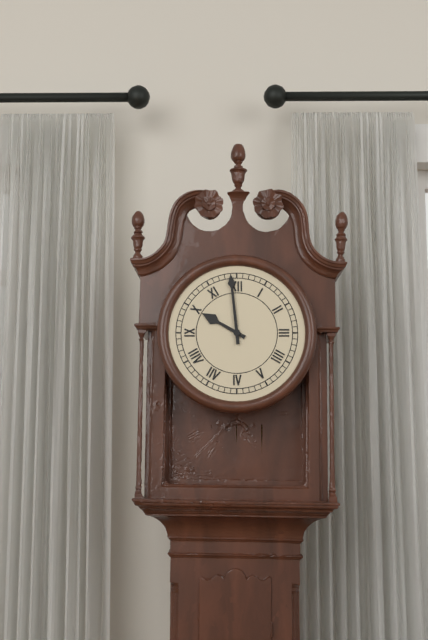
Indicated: 9:59
